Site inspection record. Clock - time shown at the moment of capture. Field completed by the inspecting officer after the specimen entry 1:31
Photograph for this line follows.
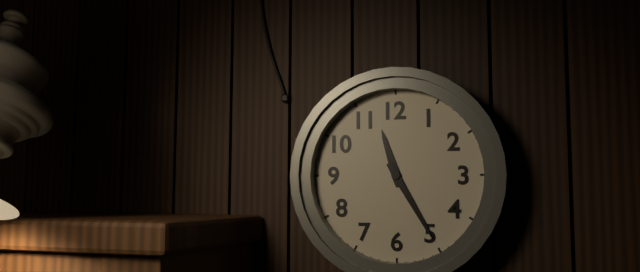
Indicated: 11:25
